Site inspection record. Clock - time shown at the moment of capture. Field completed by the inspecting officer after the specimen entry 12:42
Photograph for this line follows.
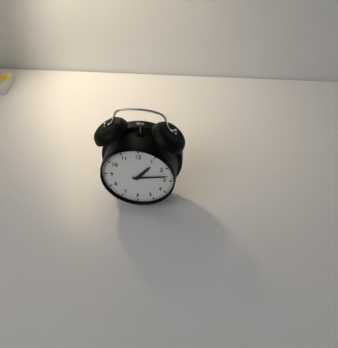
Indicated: 1:13
